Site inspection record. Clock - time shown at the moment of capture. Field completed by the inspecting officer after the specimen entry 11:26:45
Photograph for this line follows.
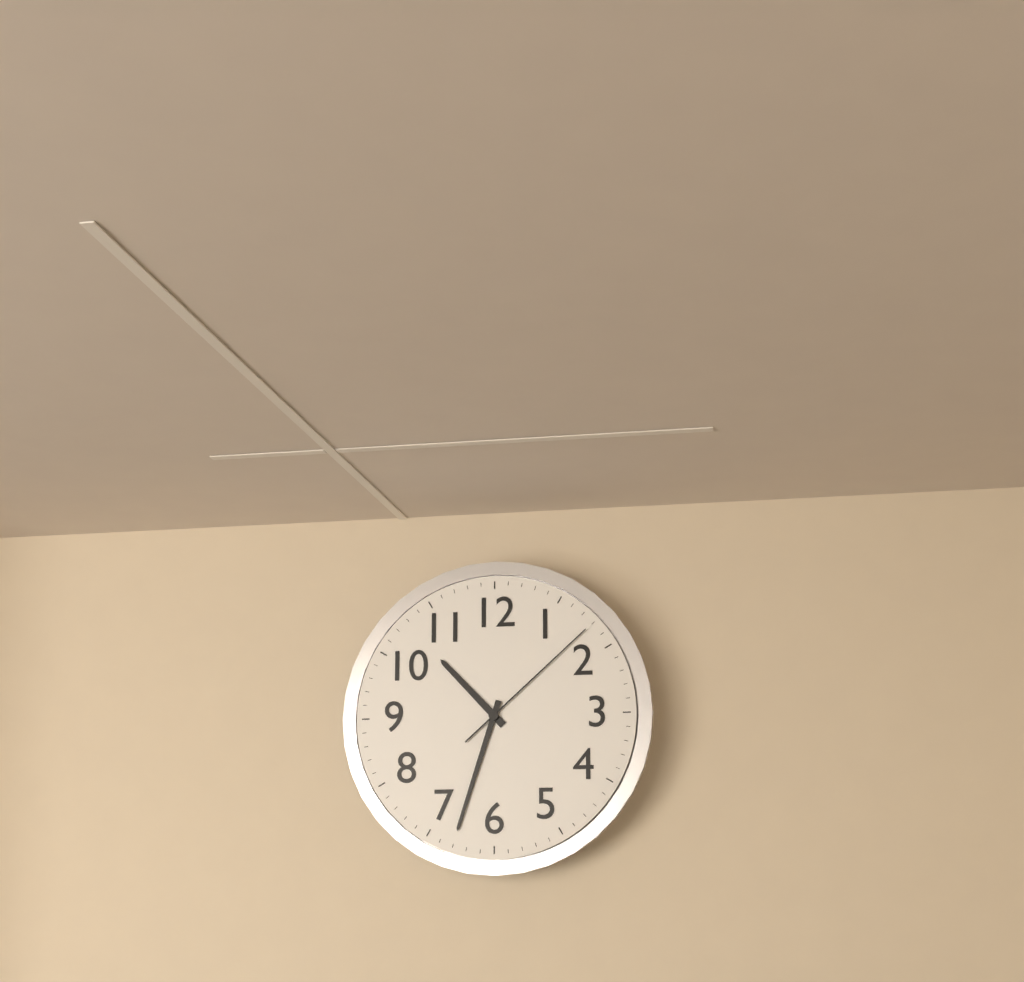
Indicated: 10:33:08
